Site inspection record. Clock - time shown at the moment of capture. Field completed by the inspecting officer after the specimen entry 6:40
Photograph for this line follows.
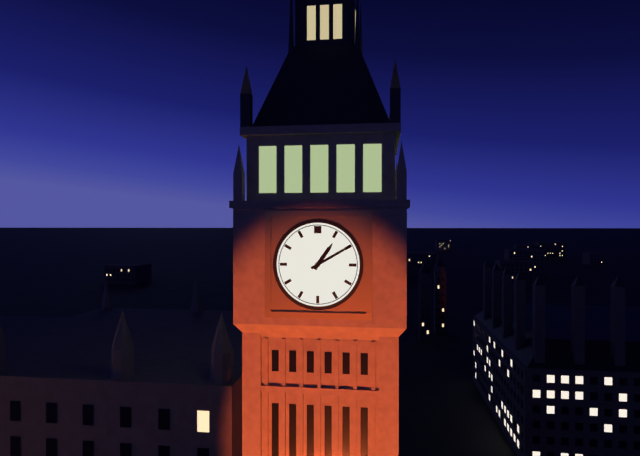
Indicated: 1:10
